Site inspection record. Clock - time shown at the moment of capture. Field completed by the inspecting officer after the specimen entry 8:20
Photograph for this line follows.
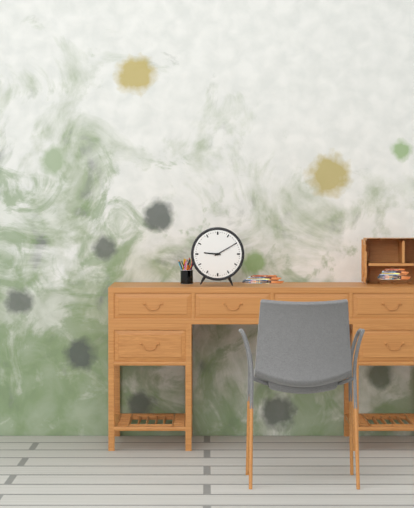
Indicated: 9:10
